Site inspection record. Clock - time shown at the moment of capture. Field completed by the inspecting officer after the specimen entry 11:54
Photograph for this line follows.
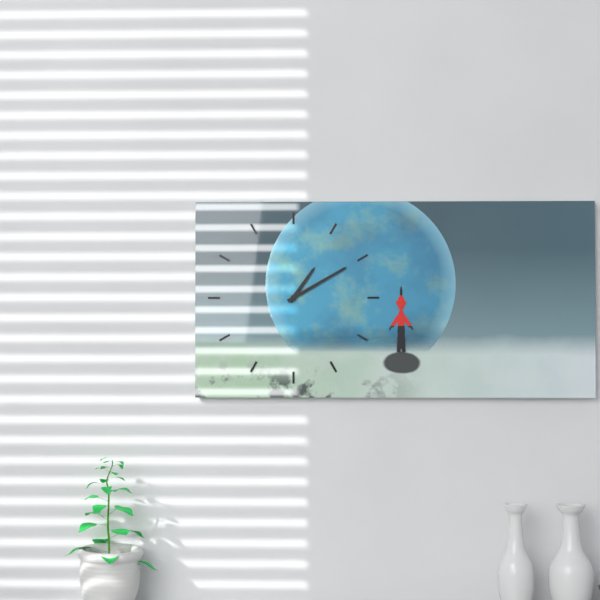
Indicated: 1:10
